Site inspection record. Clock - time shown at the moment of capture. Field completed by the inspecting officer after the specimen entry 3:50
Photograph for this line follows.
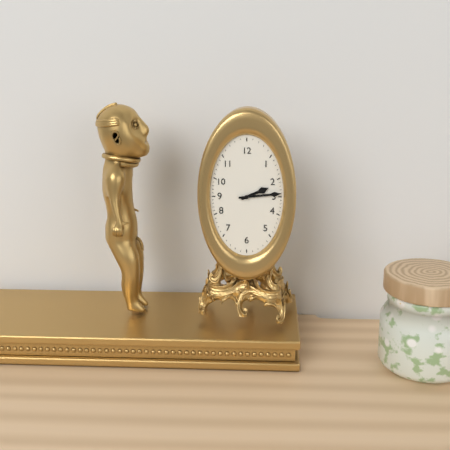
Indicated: 2:14
